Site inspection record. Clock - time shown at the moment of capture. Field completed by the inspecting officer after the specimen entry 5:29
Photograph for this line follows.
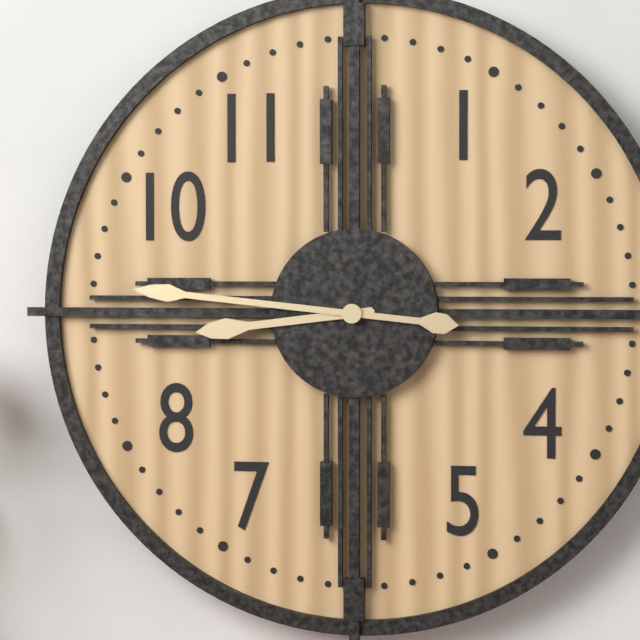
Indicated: 8:46
